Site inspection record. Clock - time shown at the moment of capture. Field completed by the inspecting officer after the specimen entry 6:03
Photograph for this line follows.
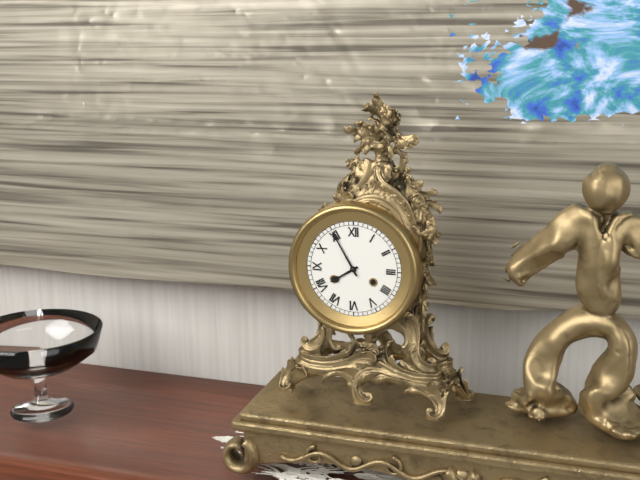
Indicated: 7:55
